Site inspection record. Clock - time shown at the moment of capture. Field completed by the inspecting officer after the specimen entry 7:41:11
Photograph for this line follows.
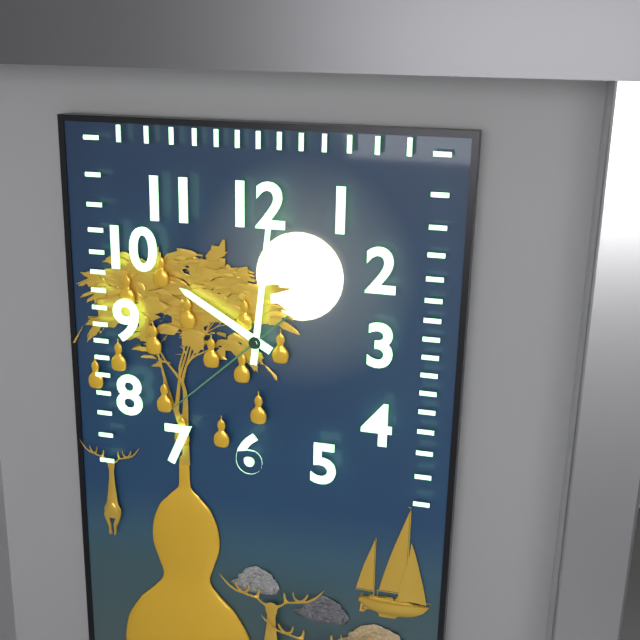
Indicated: 10:01:38
